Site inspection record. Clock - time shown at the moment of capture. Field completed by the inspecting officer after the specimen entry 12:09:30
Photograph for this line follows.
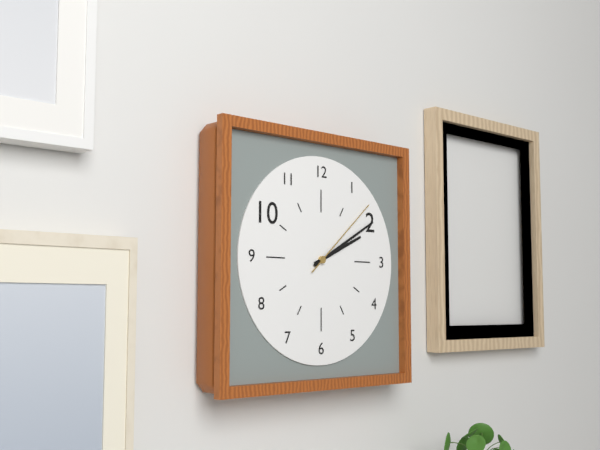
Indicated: 2:10:08
